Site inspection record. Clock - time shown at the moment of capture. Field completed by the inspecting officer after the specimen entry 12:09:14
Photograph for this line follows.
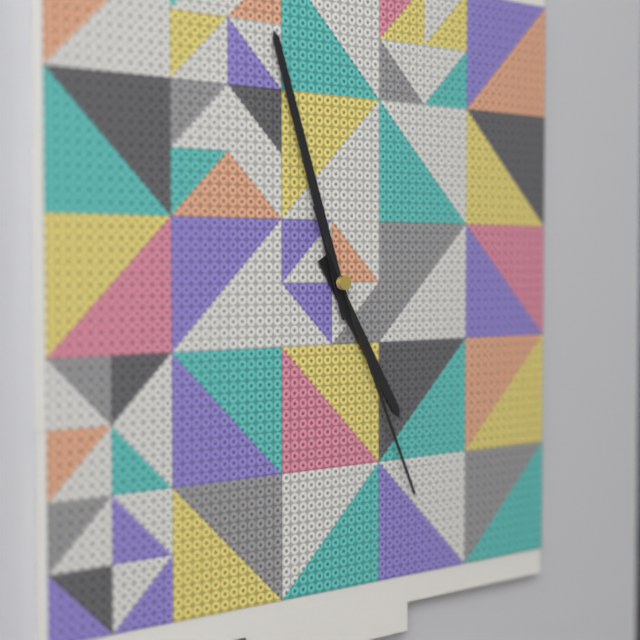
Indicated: 4:57:26
